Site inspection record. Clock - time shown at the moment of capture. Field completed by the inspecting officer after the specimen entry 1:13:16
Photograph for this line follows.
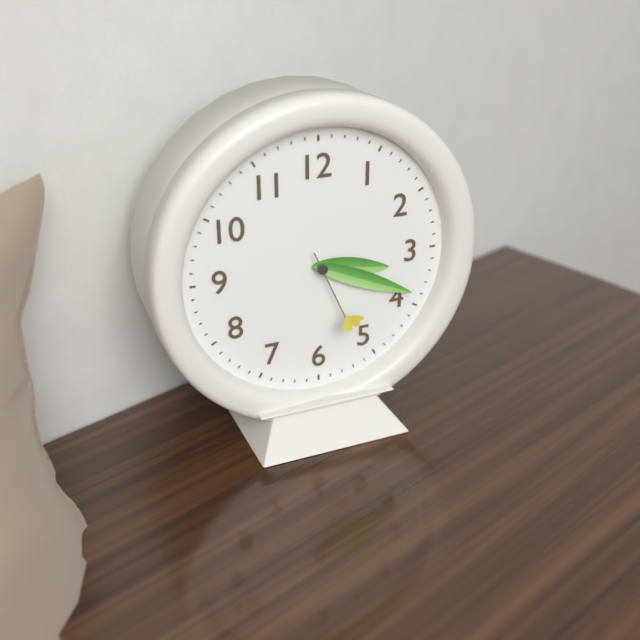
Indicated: 3:19:26
